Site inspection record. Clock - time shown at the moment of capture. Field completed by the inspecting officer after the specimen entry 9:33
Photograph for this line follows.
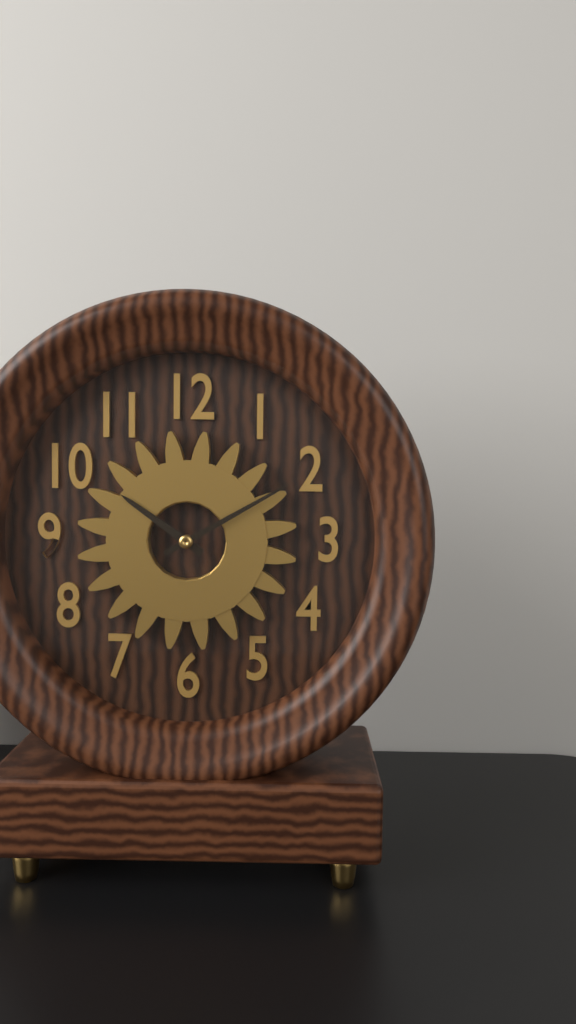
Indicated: 10:10
